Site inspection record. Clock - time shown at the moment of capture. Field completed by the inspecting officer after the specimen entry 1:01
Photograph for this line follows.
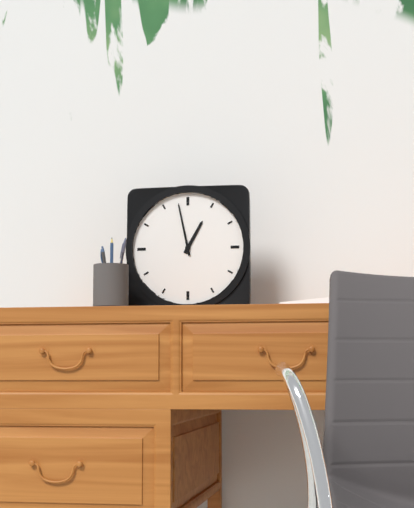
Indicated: 12:58
